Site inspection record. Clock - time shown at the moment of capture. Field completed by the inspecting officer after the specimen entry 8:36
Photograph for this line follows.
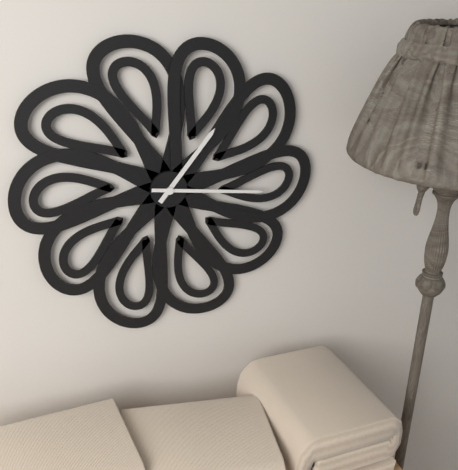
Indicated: 1:16
